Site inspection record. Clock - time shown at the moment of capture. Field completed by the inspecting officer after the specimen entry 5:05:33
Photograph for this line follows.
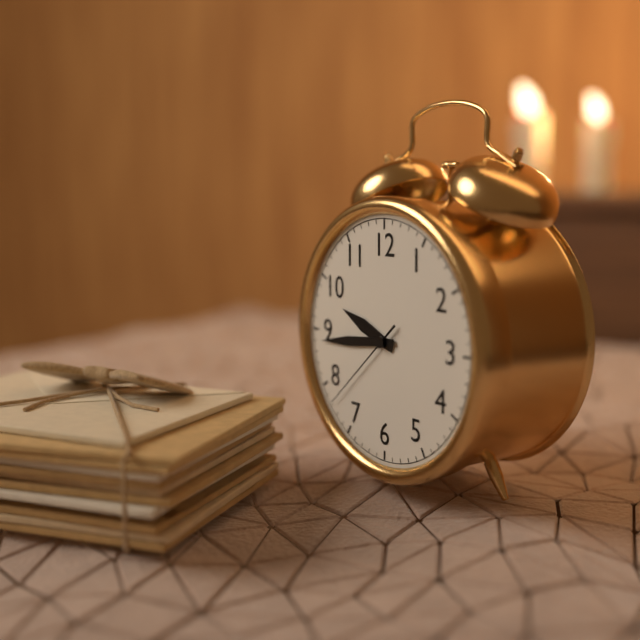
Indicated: 9:44:38
